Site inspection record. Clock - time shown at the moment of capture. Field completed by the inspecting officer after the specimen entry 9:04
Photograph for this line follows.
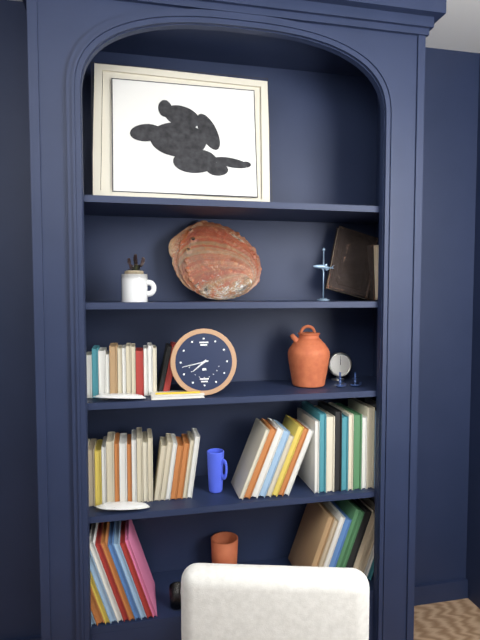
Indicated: 7:43
